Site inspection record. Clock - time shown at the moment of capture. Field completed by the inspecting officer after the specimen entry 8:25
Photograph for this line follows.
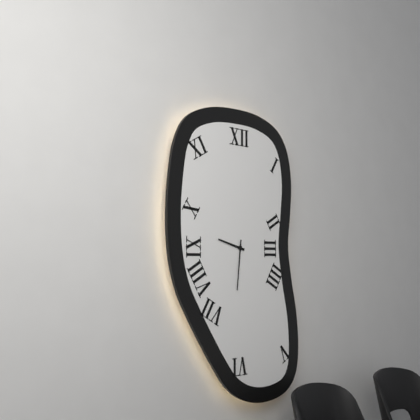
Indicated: 9:31
